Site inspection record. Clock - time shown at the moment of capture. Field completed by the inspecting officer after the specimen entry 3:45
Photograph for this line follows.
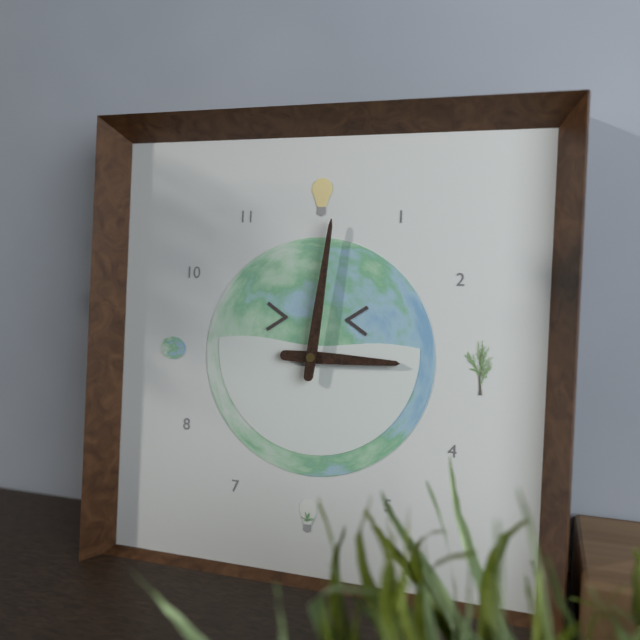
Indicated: 3:01
